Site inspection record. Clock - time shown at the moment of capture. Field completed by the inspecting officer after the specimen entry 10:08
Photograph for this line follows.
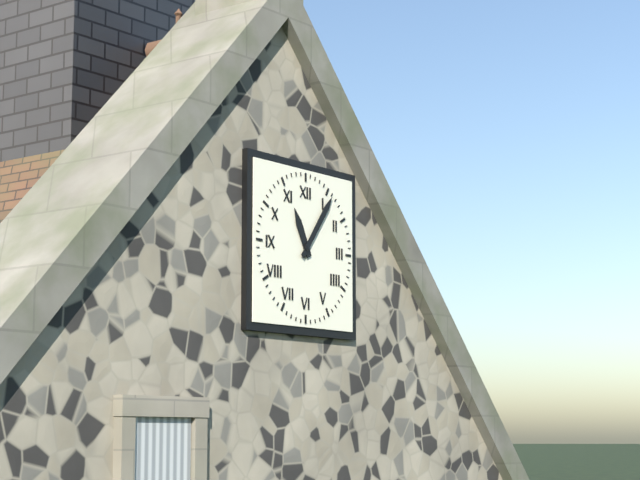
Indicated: 11:06
